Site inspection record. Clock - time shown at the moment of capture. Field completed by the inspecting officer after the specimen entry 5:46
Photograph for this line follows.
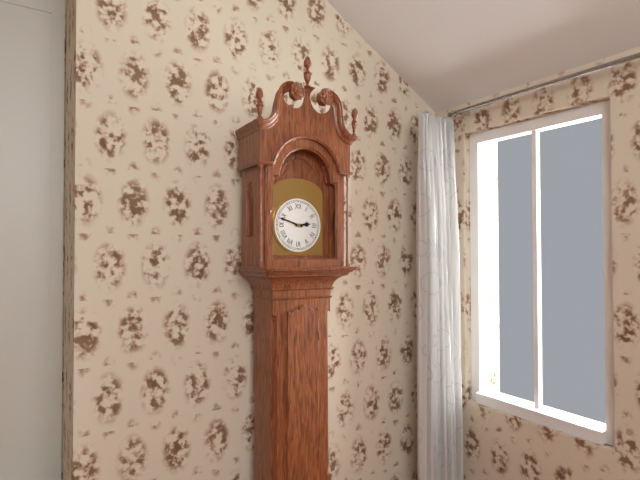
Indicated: 2:48
